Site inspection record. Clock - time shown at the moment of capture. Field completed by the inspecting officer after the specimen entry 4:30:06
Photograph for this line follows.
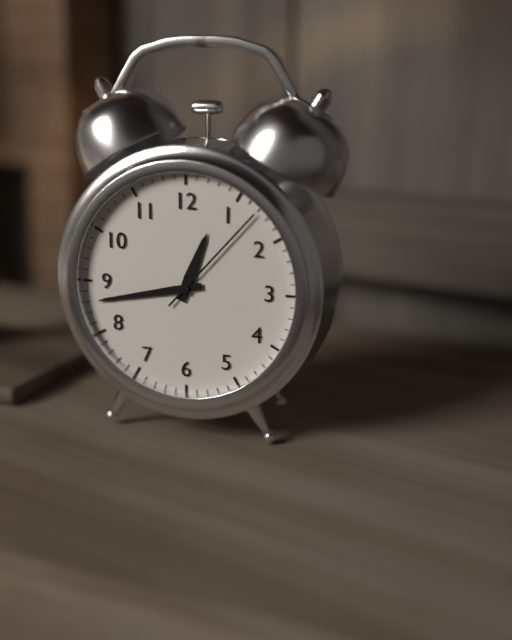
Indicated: 12:43:07
